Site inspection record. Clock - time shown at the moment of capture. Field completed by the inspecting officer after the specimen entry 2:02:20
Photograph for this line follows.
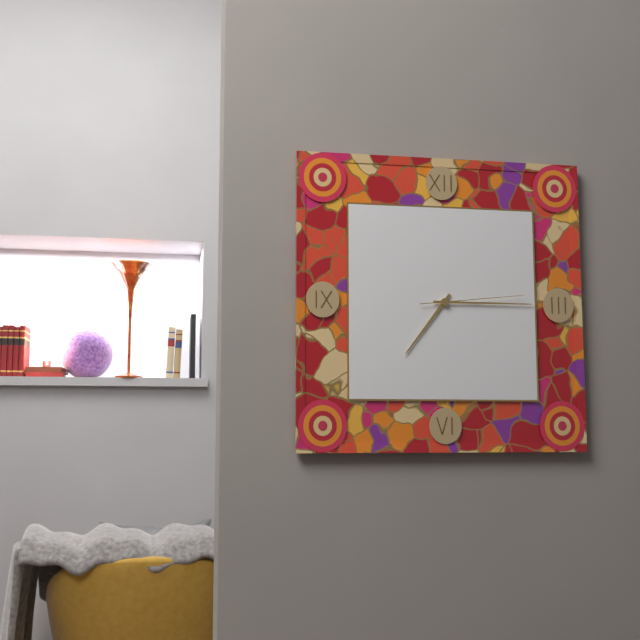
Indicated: 7:15:14
